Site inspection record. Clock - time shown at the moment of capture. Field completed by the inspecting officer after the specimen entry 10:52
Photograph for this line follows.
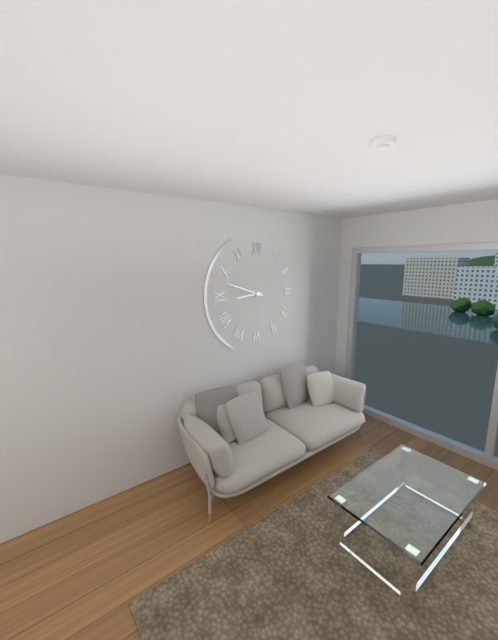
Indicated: 8:48
